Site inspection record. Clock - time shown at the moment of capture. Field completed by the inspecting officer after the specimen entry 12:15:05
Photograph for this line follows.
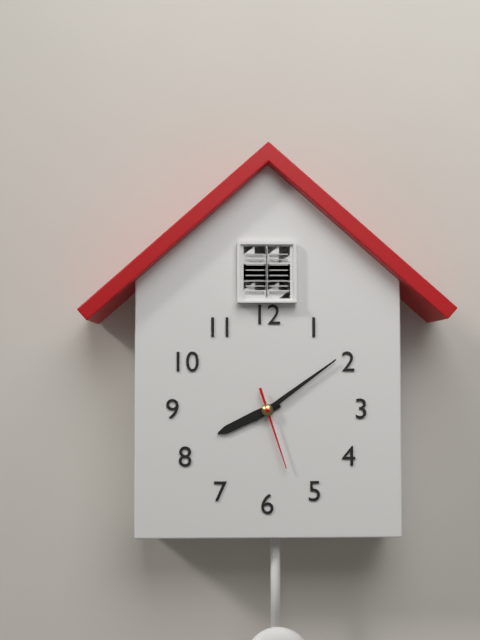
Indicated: 8:09:27
